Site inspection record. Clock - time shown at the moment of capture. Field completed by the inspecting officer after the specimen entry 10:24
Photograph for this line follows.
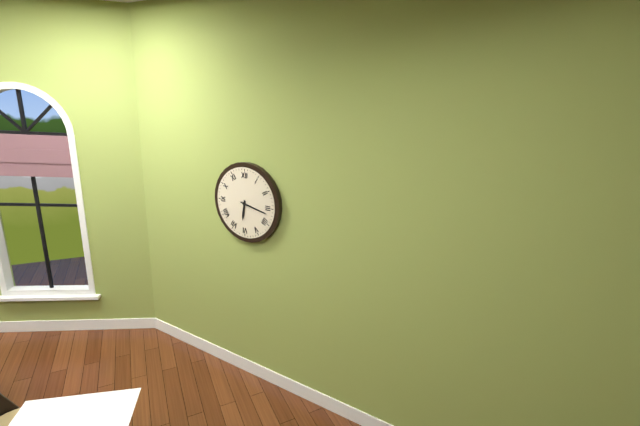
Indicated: 6:17
